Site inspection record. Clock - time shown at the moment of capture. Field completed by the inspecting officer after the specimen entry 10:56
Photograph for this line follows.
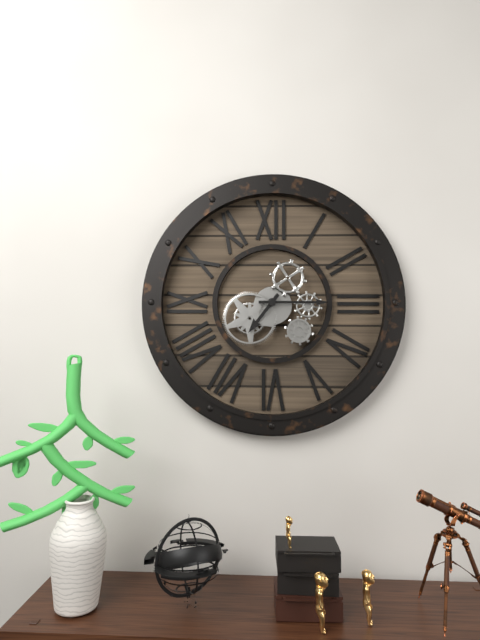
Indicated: 7:15
